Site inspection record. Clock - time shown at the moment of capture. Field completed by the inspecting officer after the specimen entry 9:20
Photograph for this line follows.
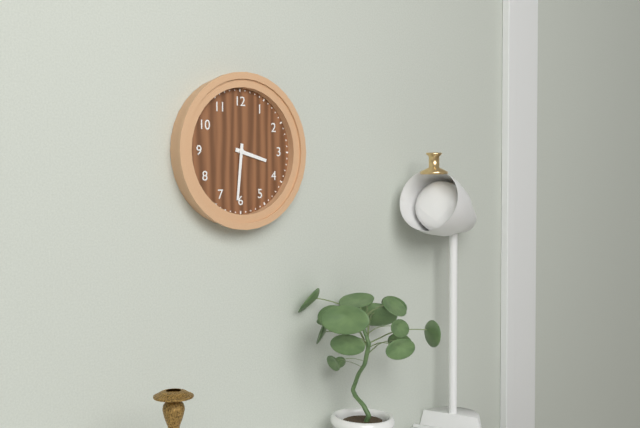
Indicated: 3:31
